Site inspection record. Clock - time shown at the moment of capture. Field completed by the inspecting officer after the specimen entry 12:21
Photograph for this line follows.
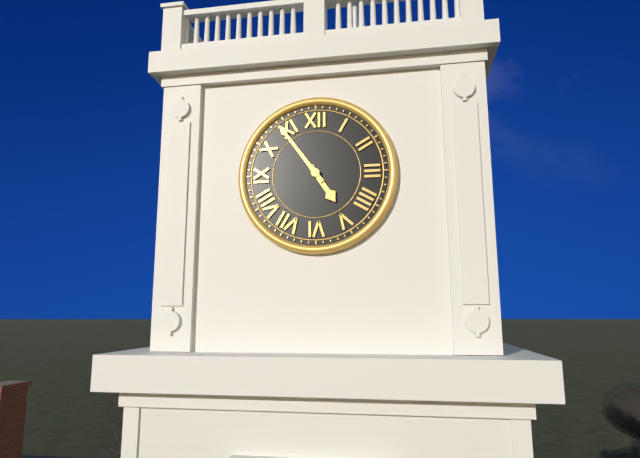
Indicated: 4:54
